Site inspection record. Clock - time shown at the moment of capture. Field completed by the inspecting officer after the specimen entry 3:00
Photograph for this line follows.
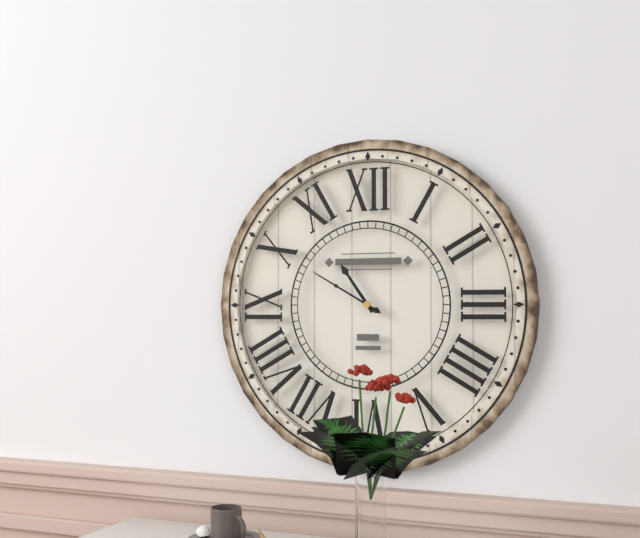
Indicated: 10:50
